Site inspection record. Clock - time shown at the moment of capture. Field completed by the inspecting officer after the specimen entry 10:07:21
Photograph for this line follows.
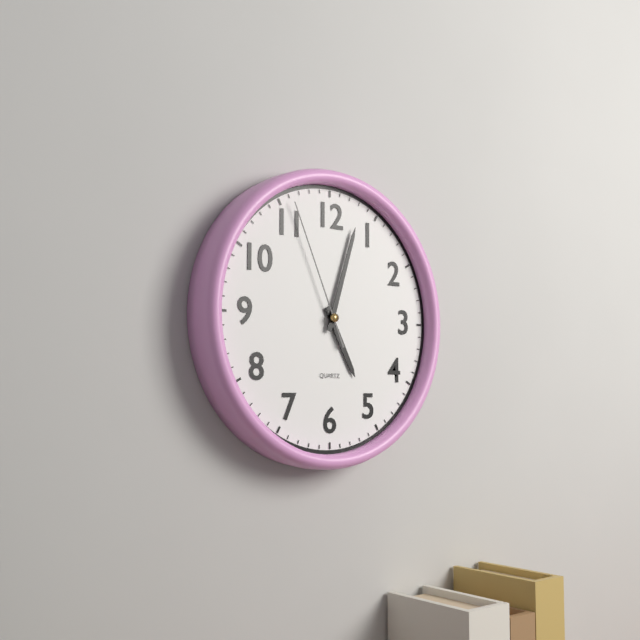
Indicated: 5:03:56
